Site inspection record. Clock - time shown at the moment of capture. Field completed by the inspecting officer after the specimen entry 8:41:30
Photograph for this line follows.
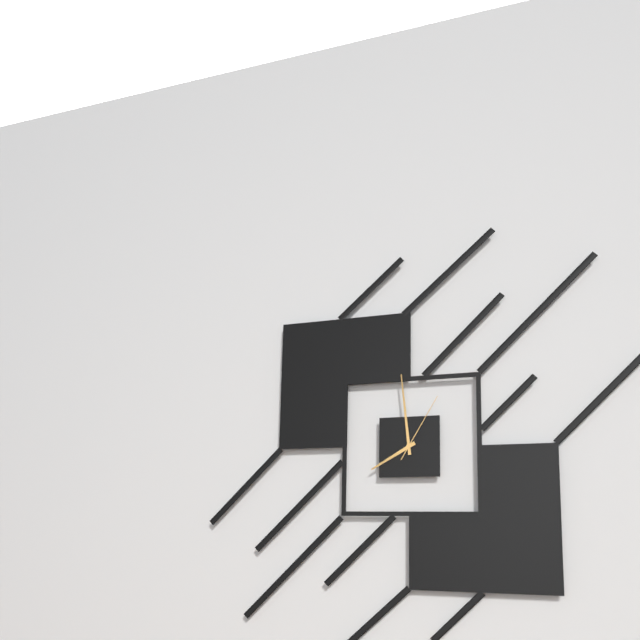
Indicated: 7:59:05
